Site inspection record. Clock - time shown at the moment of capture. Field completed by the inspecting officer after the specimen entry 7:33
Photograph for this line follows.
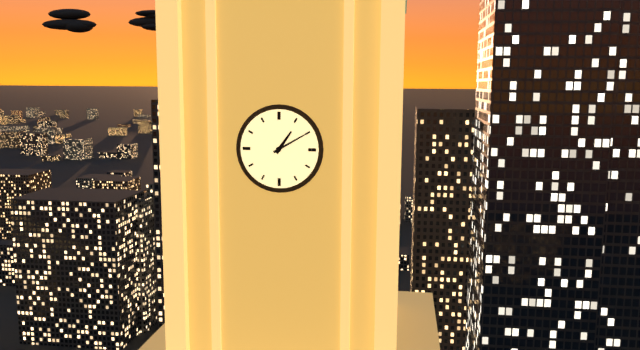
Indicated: 1:10
